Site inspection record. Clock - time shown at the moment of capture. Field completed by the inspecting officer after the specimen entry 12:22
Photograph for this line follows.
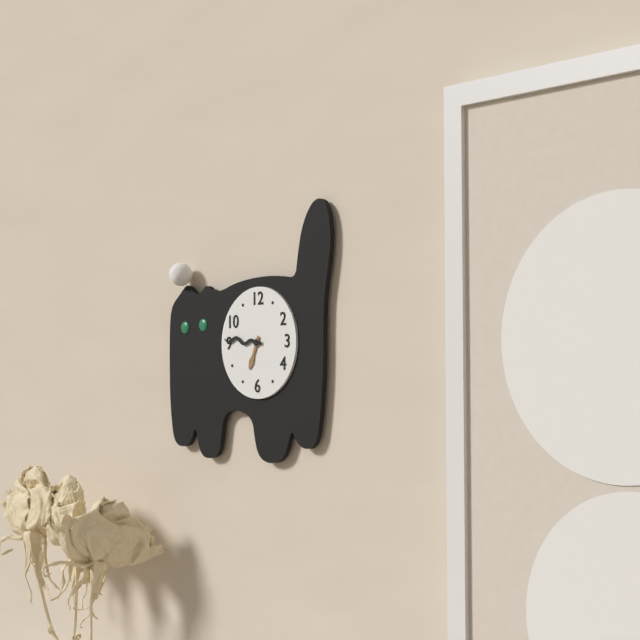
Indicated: 6:46
